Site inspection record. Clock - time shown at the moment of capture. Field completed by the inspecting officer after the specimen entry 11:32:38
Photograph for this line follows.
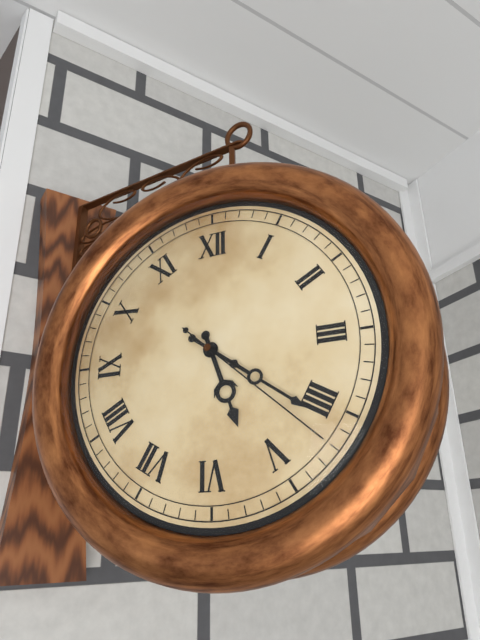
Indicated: 5:21:22
